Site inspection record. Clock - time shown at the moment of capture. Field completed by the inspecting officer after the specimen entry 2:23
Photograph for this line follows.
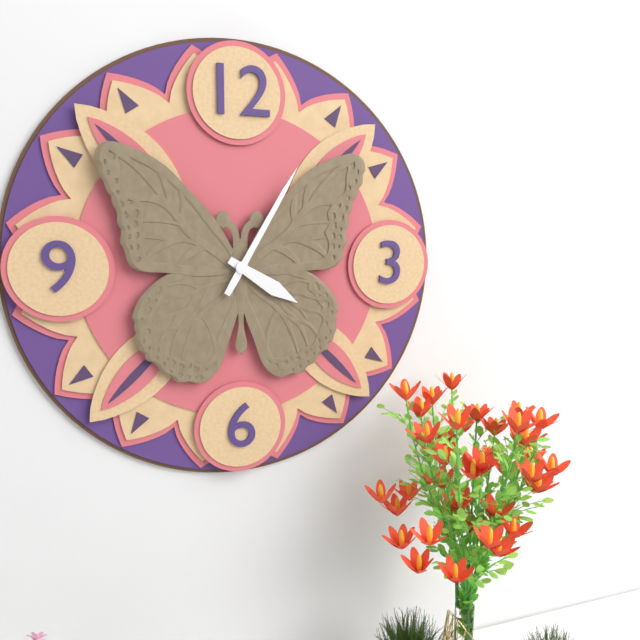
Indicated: 4:05
